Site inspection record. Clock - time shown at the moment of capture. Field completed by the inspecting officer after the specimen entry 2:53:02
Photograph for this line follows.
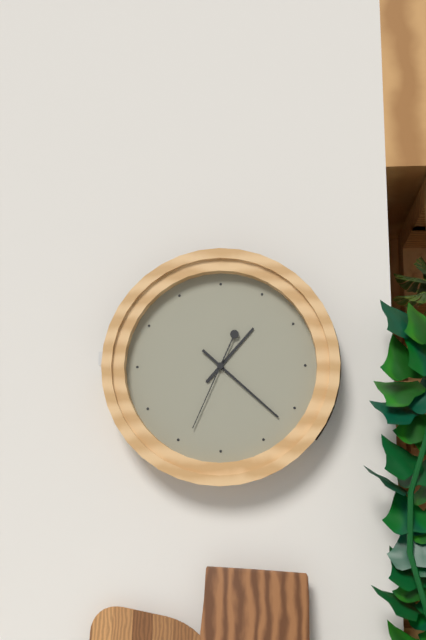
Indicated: 1:22:34
